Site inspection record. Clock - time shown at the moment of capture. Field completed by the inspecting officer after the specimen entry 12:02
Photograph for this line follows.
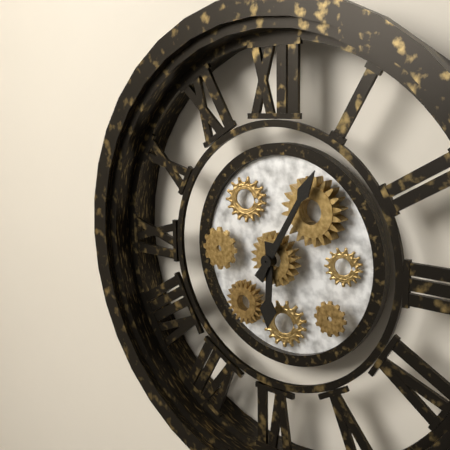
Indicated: 6:05
